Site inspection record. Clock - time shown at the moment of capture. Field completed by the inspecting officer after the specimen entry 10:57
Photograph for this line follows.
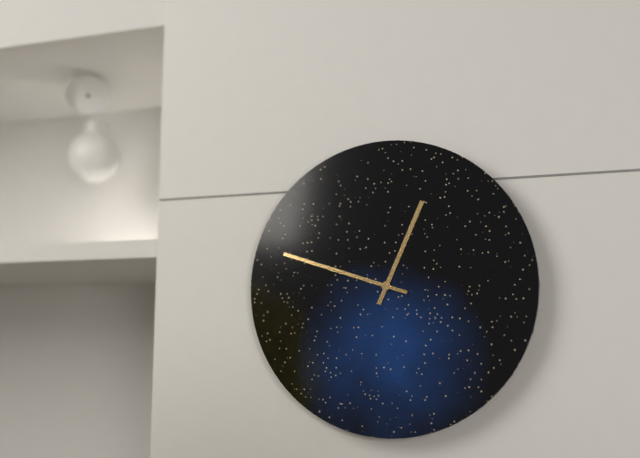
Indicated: 12:48
